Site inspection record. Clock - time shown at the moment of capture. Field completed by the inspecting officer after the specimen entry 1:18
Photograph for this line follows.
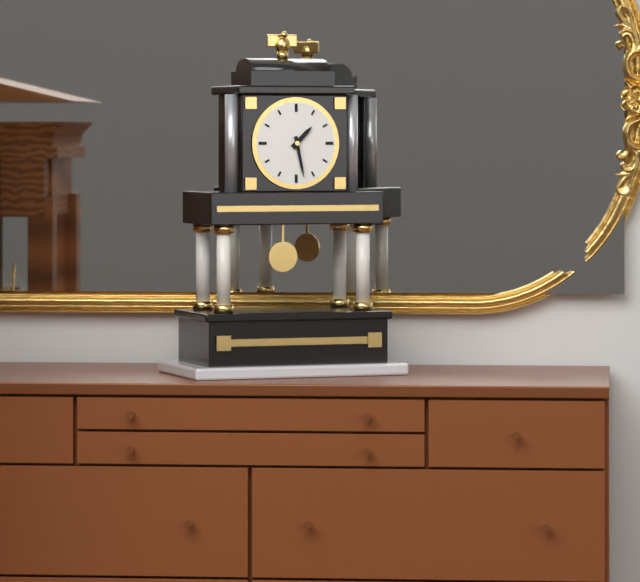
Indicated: 1:28
